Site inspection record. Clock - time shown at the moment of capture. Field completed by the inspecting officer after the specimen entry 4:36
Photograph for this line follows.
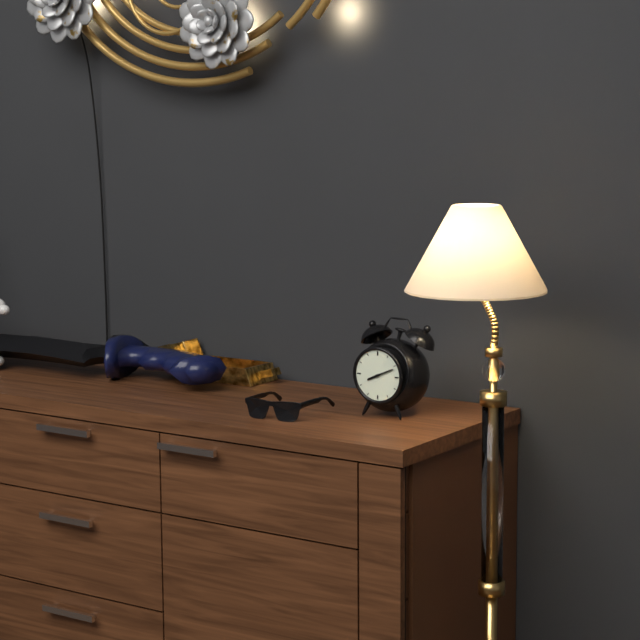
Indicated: 8:11
